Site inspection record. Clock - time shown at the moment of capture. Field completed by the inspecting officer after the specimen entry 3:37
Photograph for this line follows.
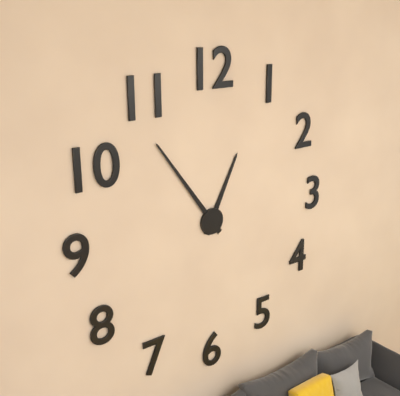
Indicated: 12:54
